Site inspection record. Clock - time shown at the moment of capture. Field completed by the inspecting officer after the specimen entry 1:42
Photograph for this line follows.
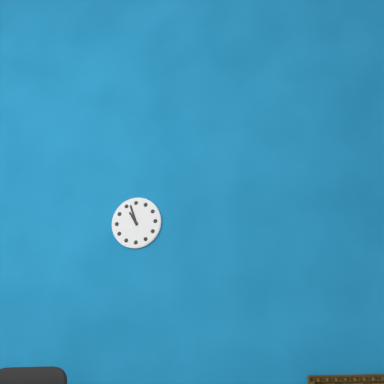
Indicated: 10:57
